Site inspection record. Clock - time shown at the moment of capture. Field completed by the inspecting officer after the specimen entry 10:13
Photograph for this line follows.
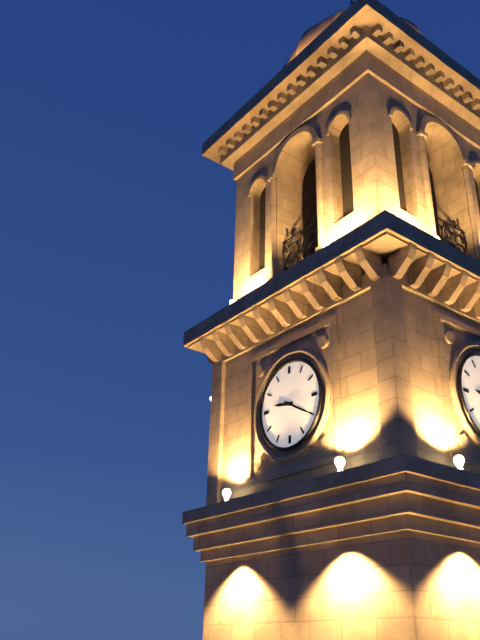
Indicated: 9:20
